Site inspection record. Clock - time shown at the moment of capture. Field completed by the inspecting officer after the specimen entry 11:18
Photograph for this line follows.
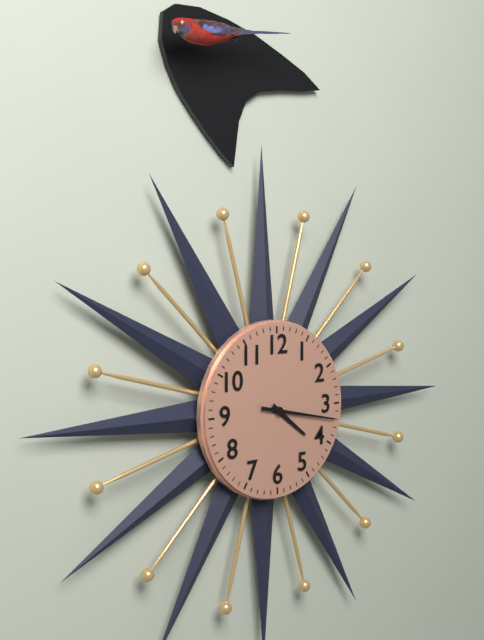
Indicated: 4:17
